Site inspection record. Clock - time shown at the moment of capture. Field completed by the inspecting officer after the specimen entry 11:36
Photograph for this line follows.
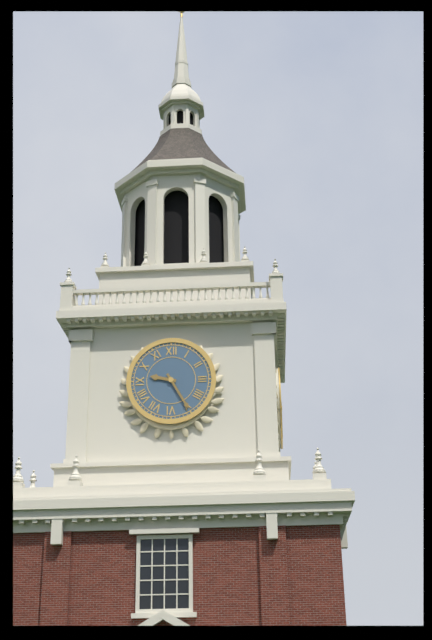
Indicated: 9:25
